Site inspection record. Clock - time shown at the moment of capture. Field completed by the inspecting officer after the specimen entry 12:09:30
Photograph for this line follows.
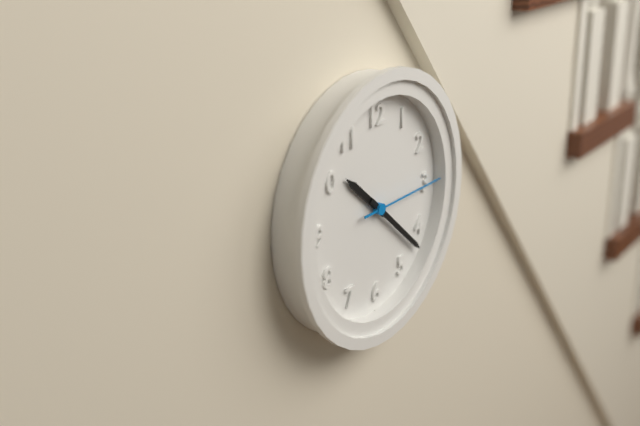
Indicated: 10:22:15
